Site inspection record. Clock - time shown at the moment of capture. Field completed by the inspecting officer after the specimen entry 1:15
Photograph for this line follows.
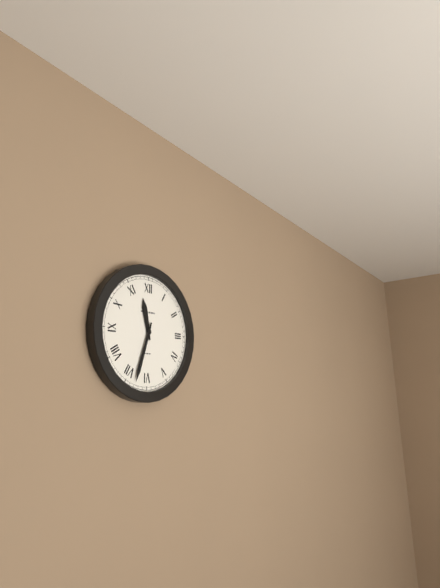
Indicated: 11:33
